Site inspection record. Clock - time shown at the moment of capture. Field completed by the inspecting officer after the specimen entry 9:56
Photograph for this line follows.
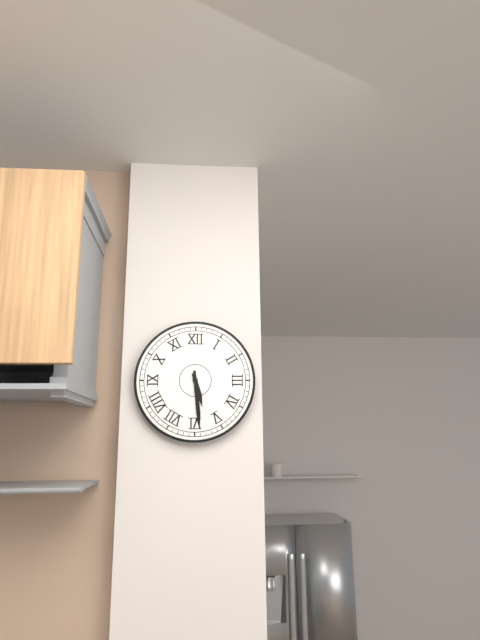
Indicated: 5:29
